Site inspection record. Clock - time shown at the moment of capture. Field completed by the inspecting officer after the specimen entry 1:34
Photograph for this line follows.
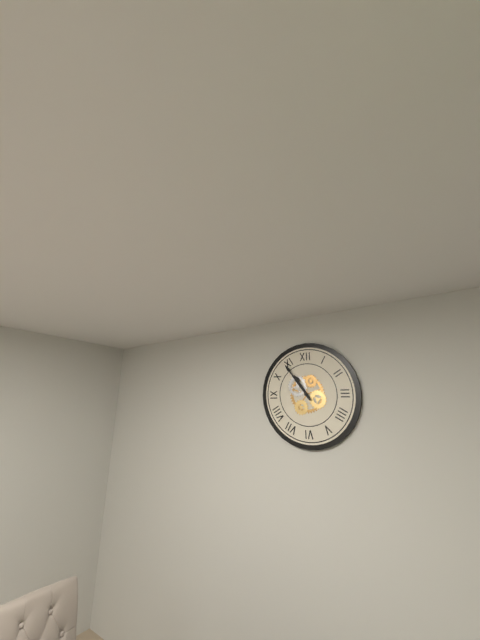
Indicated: 10:54
